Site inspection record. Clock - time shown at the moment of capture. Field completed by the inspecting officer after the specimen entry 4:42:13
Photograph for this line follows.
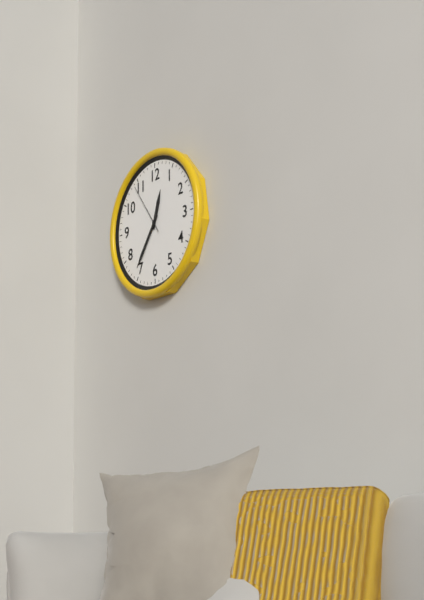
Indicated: 12:36:54
